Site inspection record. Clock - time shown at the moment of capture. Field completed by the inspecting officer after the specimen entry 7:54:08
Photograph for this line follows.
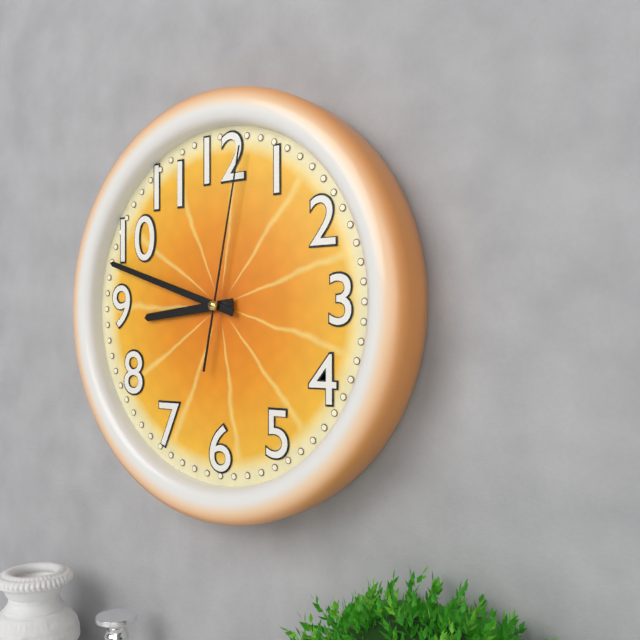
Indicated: 8:48:02
